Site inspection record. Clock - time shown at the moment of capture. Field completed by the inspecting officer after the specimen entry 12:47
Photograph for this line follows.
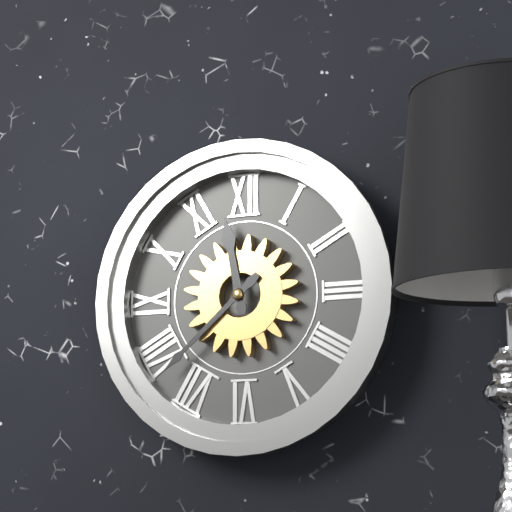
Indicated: 11:38
